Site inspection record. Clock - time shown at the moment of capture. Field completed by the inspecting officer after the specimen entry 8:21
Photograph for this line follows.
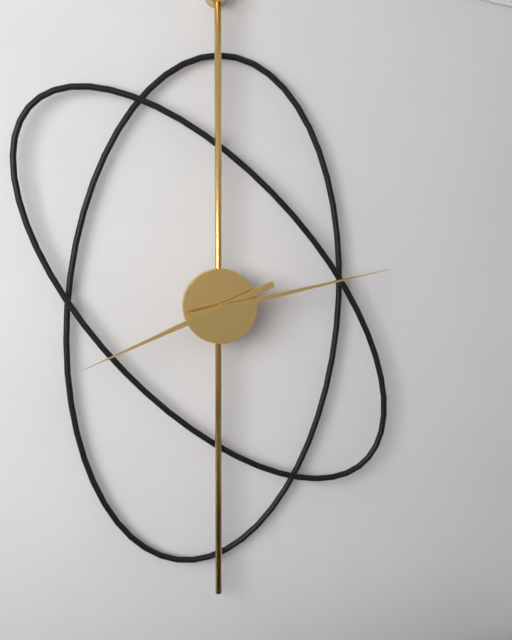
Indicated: 8:13
